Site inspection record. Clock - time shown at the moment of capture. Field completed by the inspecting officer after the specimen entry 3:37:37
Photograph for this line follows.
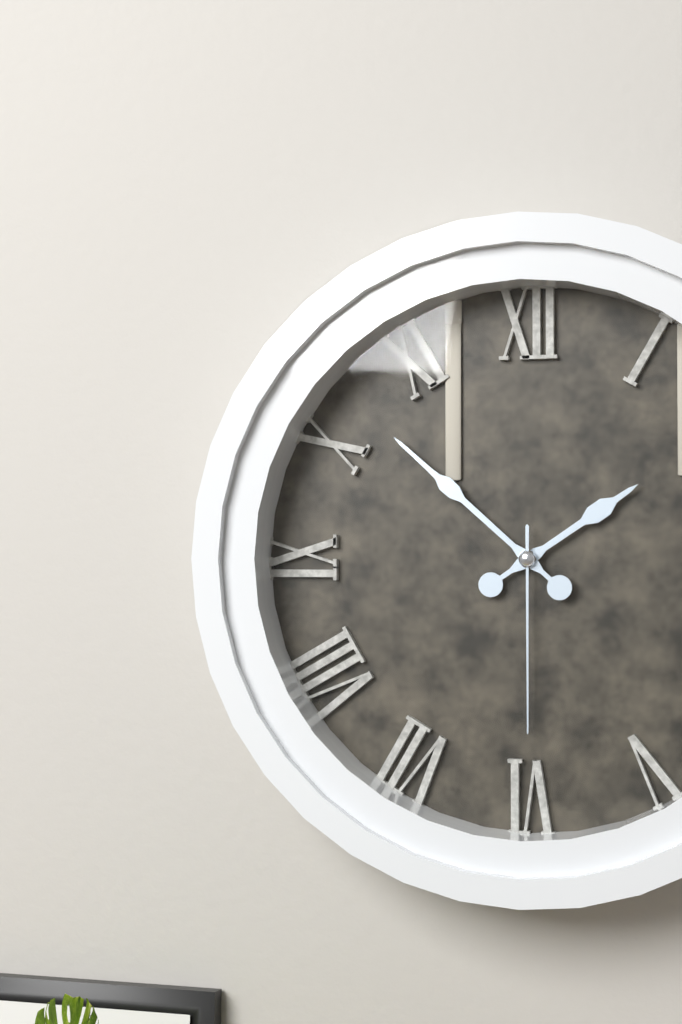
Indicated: 1:52:30
